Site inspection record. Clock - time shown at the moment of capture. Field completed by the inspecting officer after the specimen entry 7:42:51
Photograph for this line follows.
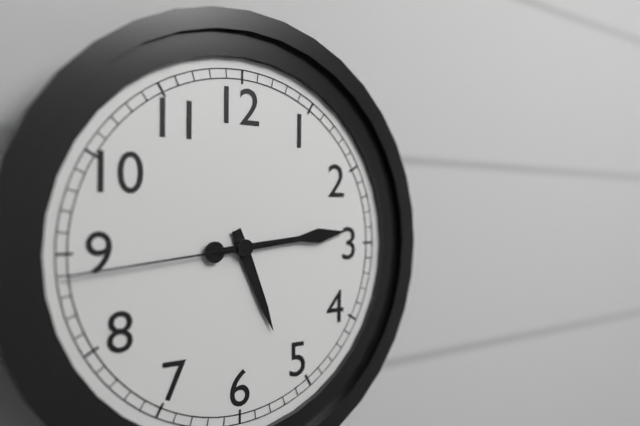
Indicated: 5:14:44
